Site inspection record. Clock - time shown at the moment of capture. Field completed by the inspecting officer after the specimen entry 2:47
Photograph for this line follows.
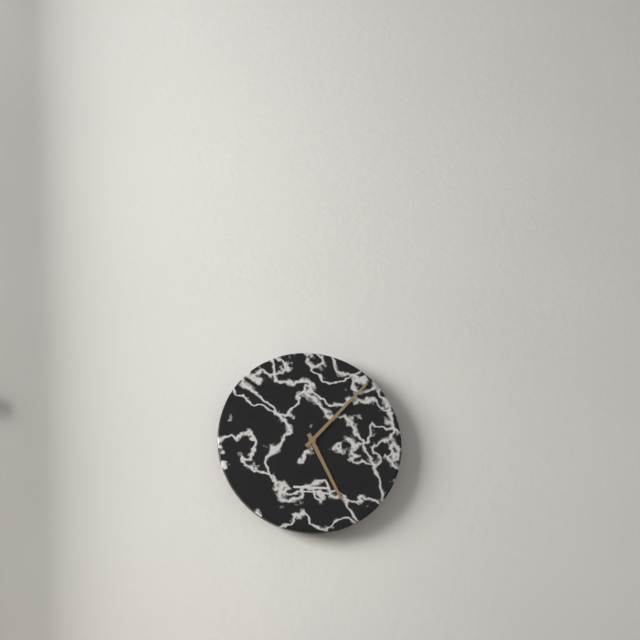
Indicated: 5:07
